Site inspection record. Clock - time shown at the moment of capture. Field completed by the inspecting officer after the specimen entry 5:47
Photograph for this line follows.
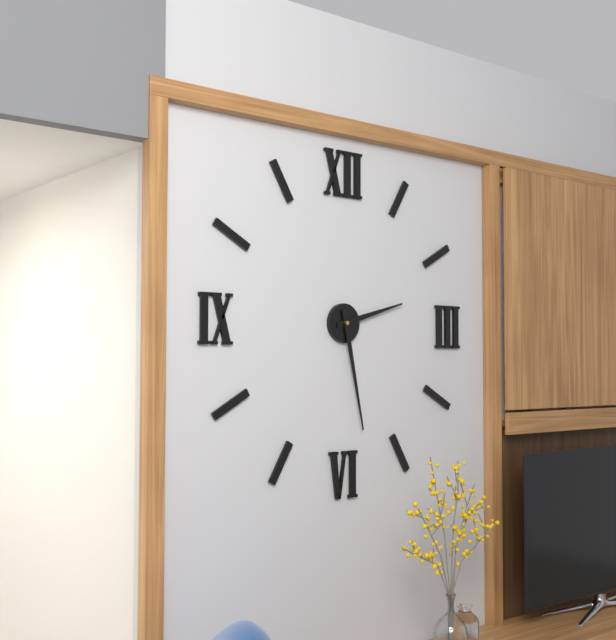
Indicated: 2:28
